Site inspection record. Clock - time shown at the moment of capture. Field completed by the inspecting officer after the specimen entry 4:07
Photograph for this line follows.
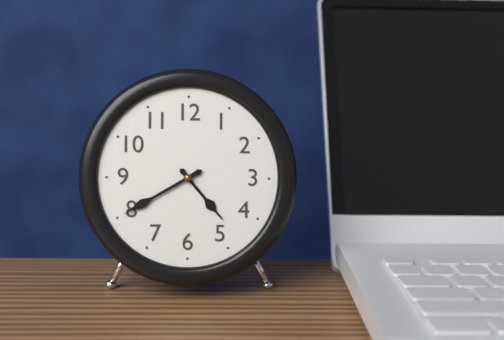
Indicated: 4:40
